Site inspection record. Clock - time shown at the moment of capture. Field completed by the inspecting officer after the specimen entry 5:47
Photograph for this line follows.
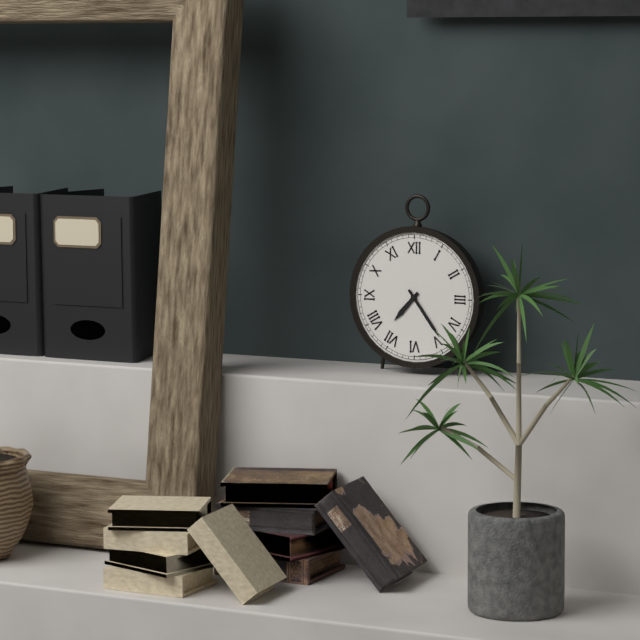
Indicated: 7:24
